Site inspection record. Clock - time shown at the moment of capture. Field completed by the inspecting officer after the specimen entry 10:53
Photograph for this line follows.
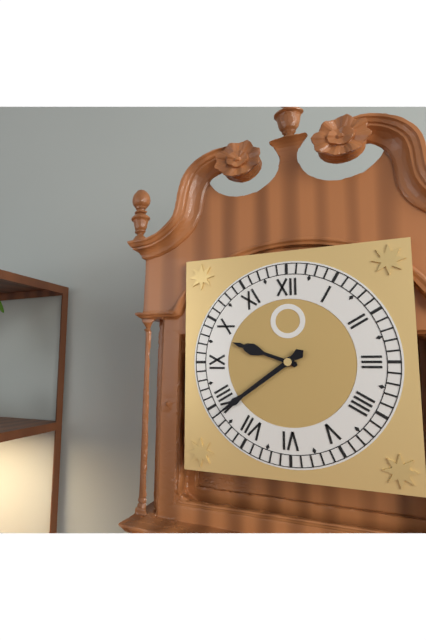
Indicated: 9:39
